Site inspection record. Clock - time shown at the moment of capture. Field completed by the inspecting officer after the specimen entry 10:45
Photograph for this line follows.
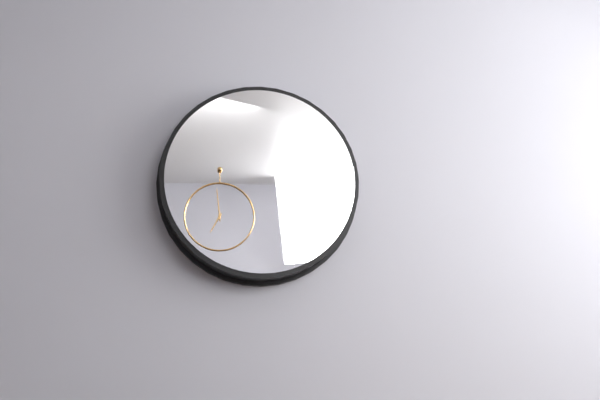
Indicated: 6:59
